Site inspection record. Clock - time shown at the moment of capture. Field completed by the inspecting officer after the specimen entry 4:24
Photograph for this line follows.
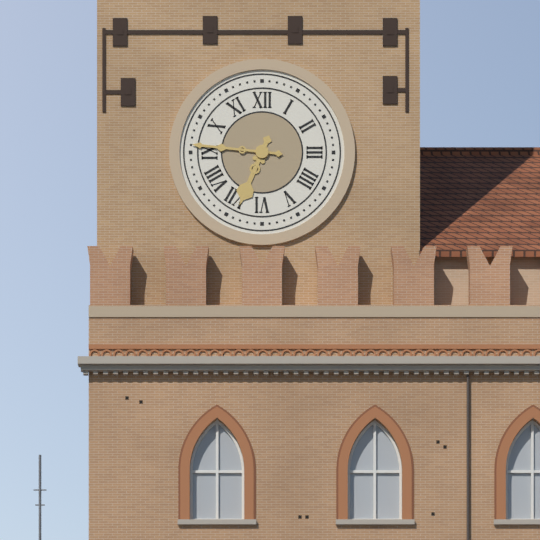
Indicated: 6:46
